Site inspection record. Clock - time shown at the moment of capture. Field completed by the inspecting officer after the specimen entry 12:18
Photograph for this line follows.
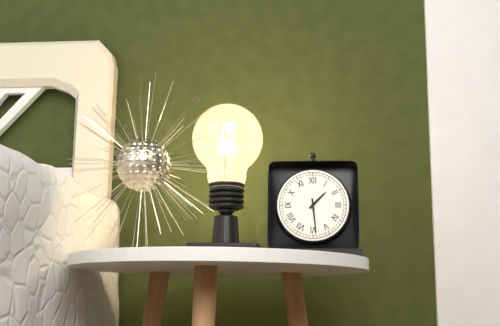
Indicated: 1:29
